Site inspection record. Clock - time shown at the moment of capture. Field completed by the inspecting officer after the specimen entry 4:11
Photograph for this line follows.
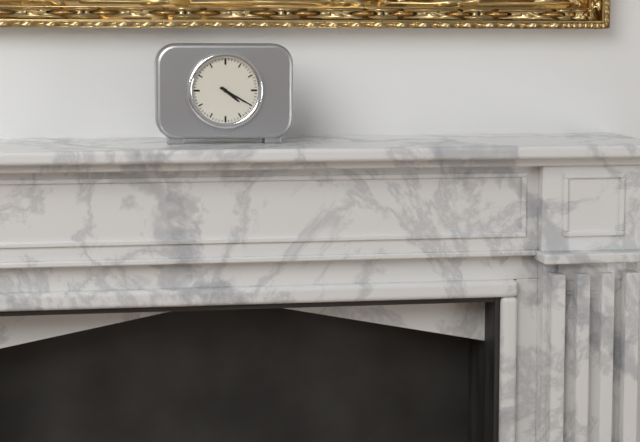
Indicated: 4:20
